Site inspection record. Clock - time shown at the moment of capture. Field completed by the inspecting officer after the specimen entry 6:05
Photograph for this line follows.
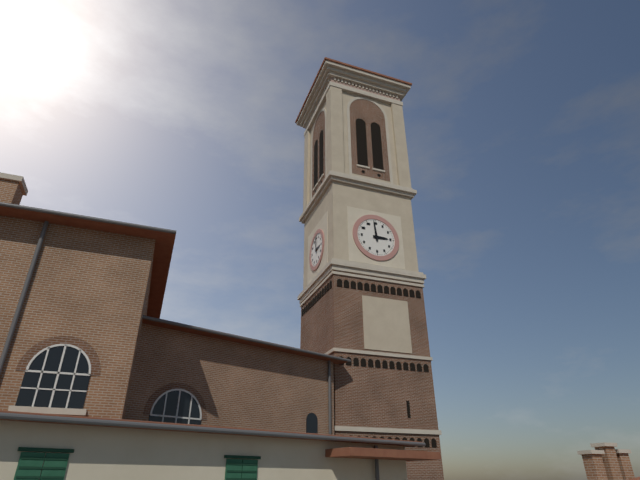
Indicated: 2:59
